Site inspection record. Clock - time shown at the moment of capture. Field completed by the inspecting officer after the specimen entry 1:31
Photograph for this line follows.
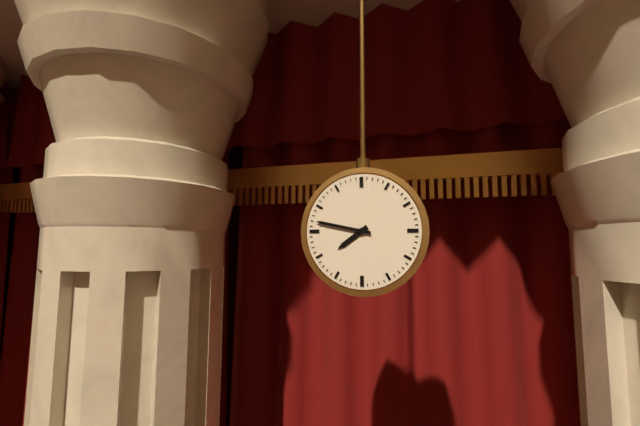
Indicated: 7:47
